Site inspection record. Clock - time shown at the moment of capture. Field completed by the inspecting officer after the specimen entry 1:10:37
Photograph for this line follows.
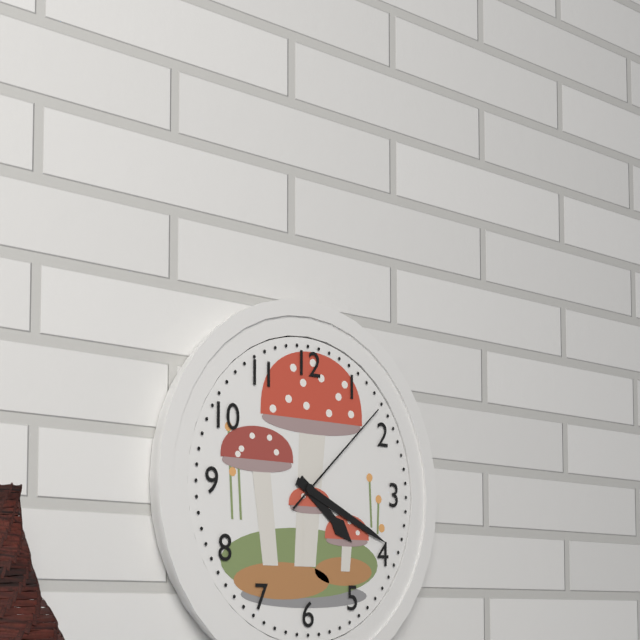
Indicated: 4:19:08
